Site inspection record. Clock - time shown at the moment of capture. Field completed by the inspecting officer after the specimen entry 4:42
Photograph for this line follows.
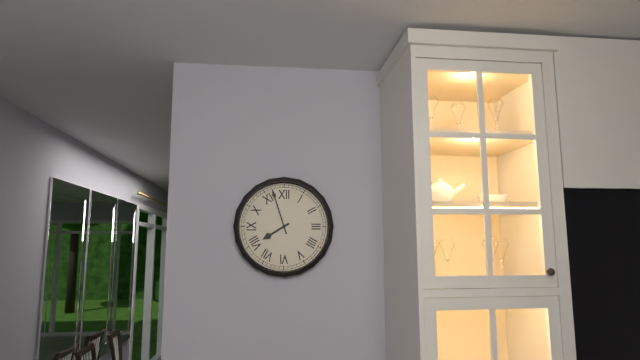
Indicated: 7:57
